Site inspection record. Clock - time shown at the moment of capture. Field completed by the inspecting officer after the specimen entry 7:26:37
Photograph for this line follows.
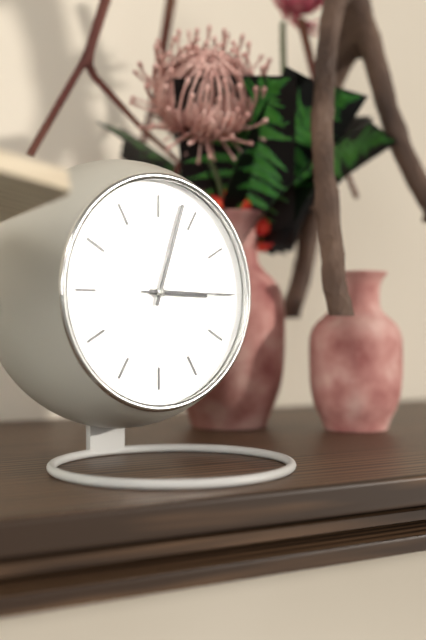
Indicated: 3:03:15
